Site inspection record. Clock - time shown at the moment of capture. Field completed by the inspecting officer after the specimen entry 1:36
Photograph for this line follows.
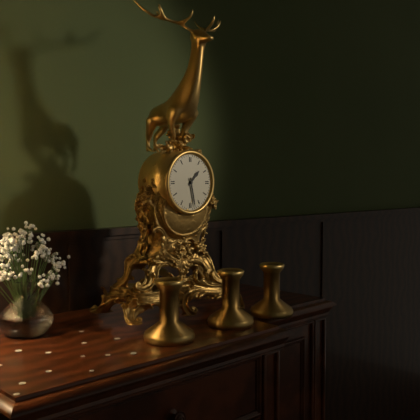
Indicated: 1:28
